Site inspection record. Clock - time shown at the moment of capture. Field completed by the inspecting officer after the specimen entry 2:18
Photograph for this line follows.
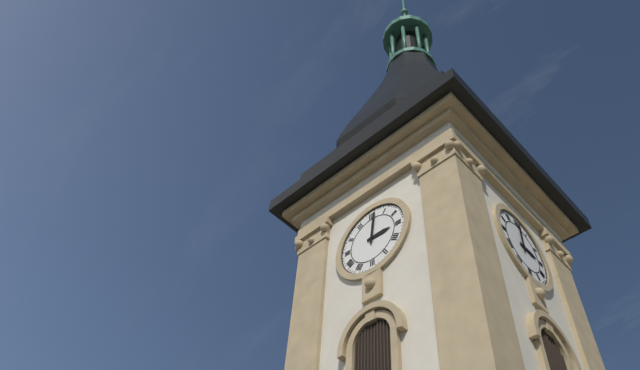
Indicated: 3:01
